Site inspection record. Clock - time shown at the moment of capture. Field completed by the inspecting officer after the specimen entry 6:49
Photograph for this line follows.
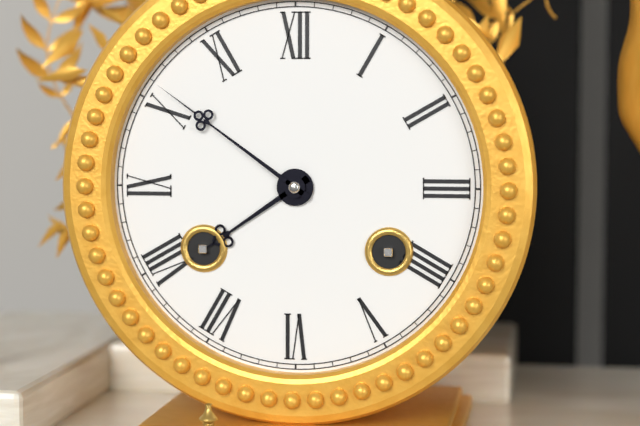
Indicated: 7:51
